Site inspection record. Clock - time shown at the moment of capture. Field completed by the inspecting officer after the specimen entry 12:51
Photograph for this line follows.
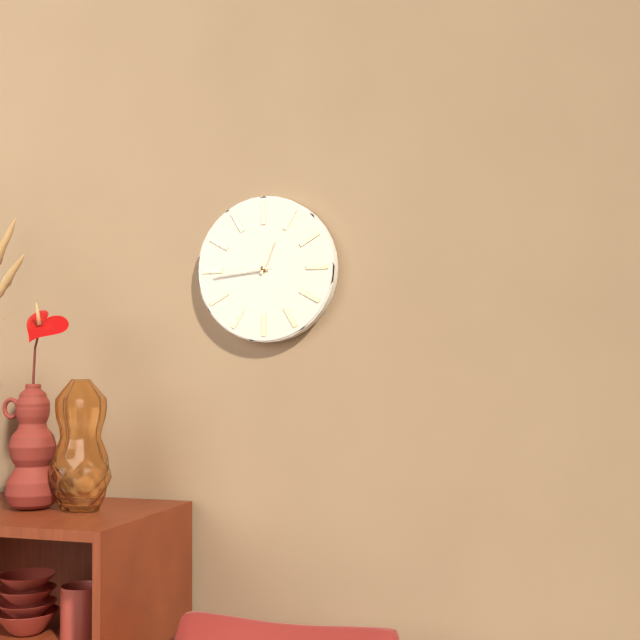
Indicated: 12:44
